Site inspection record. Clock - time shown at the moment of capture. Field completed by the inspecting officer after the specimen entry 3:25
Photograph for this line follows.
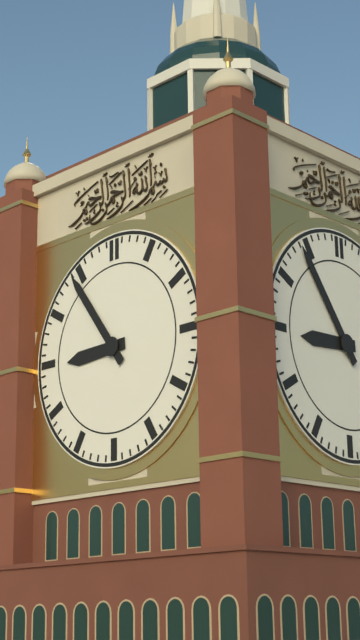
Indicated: 8:54
